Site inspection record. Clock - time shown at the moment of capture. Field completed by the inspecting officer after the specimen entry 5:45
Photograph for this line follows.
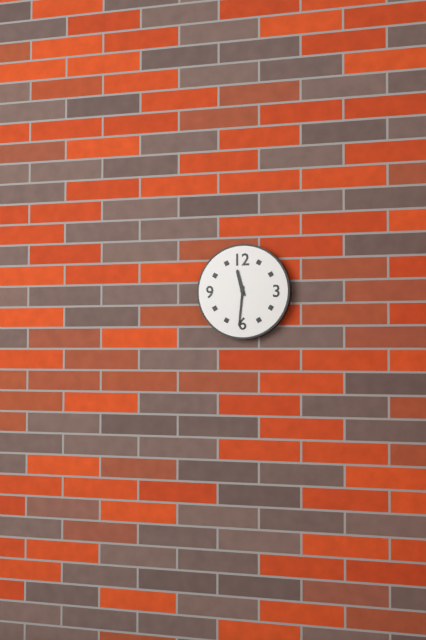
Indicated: 11:31
